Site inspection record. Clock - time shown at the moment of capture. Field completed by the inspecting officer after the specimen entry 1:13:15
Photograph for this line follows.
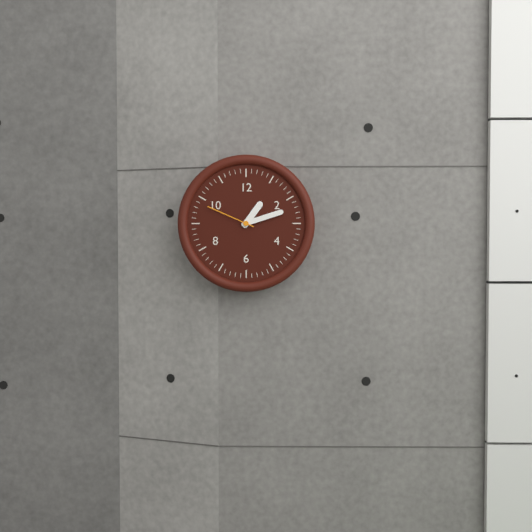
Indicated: 1:12:49
